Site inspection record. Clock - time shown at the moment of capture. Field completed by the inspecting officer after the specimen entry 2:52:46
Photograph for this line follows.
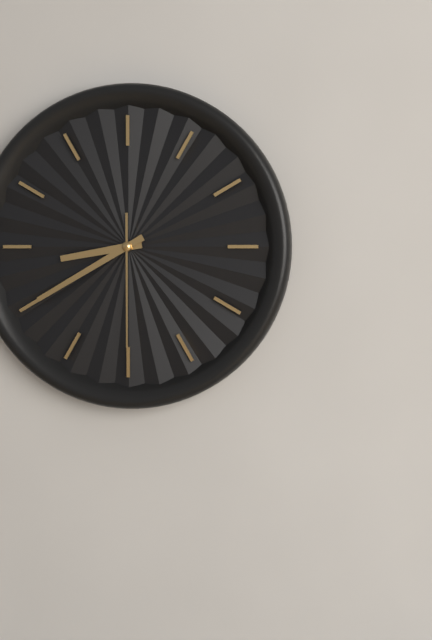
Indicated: 8:40:30
